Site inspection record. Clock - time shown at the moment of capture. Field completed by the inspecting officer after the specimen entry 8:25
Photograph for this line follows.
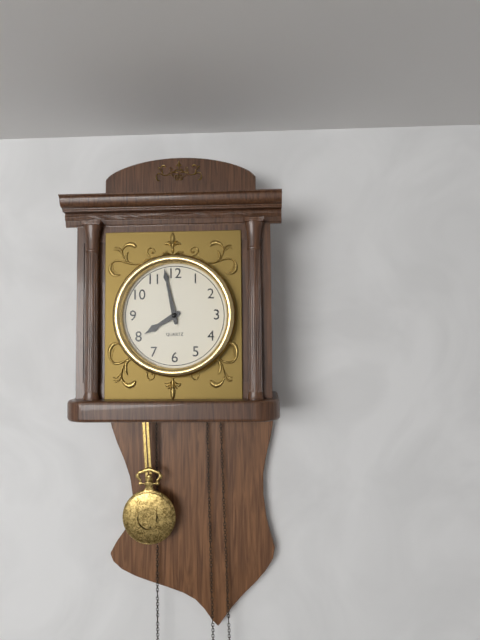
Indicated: 7:58
